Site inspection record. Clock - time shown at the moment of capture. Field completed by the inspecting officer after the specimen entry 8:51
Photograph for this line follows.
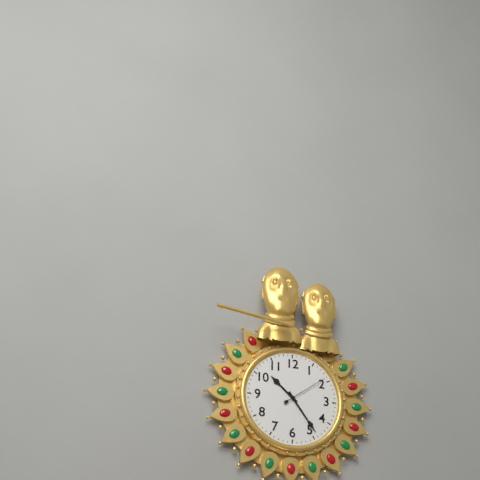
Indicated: 10:24
